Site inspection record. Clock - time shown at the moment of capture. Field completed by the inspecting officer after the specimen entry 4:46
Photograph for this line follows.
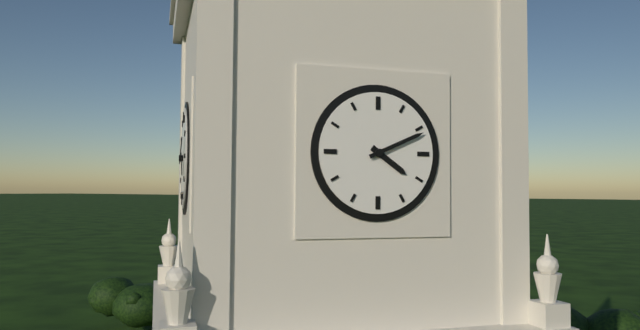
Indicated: 4:11
